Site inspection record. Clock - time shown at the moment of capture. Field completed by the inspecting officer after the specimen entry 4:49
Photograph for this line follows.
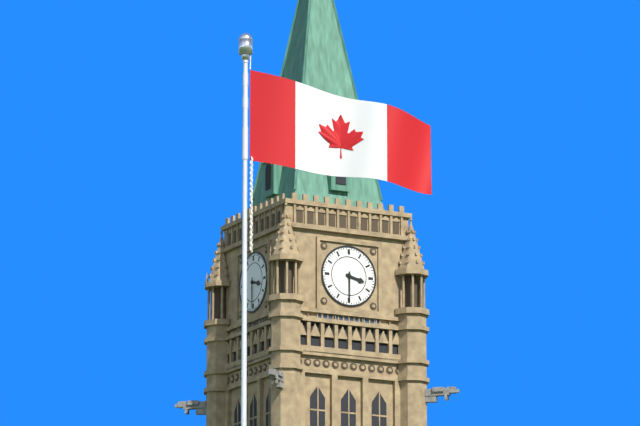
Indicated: 3:30
